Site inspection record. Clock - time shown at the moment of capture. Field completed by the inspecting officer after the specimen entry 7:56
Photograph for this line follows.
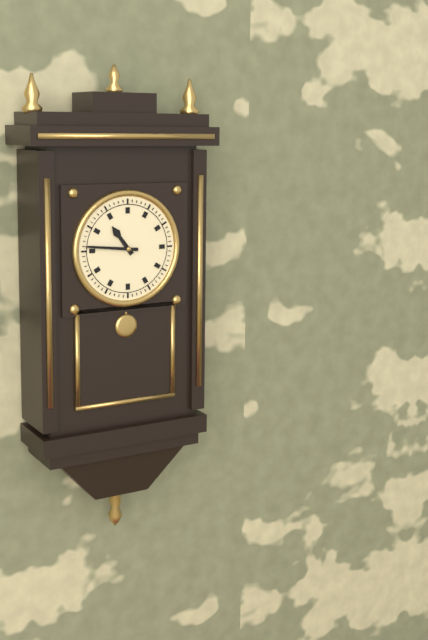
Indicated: 10:46
